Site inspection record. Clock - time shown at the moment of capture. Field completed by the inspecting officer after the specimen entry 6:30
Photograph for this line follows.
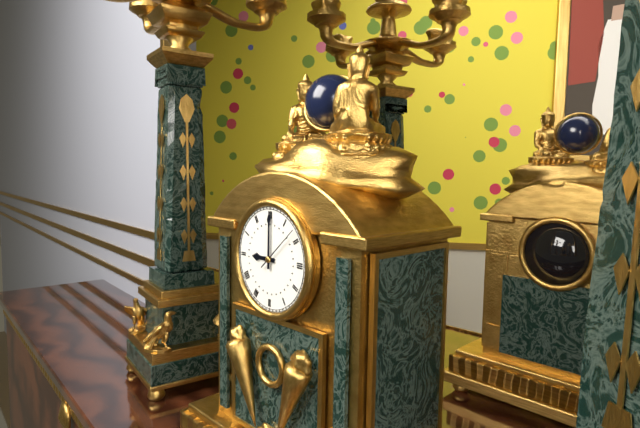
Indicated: 9:00
